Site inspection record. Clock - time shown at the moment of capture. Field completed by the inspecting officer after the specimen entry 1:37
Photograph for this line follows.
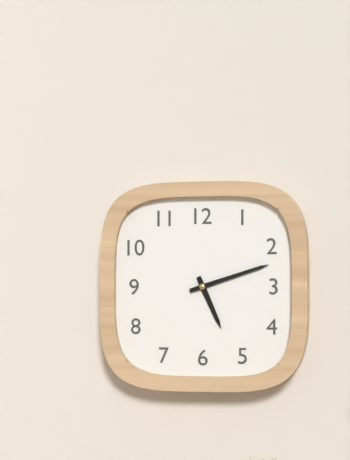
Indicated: 5:12
